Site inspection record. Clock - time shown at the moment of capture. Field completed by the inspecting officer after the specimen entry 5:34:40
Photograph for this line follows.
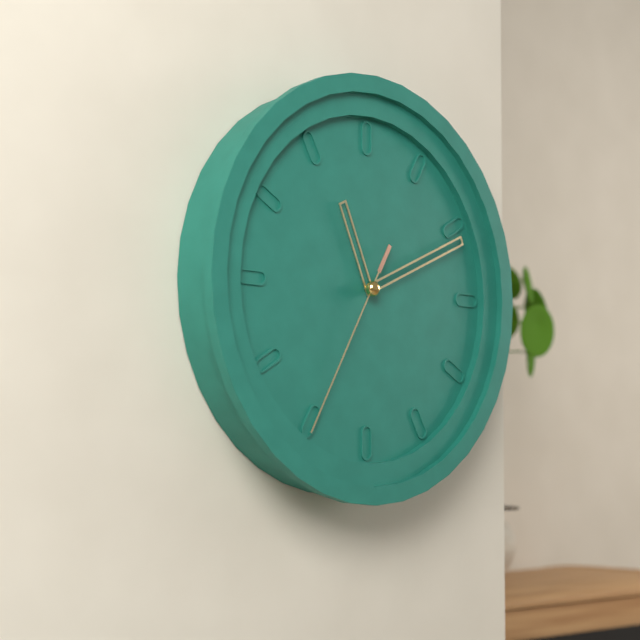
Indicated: 11:11:35
